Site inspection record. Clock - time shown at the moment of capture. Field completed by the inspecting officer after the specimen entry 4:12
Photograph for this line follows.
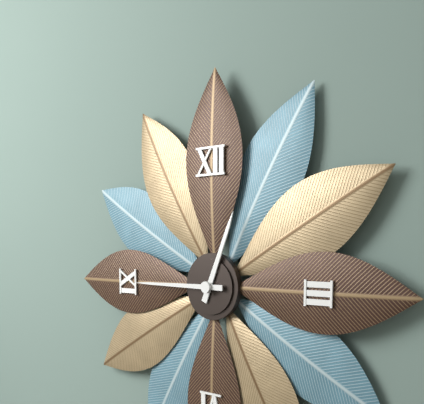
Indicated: 12:45
